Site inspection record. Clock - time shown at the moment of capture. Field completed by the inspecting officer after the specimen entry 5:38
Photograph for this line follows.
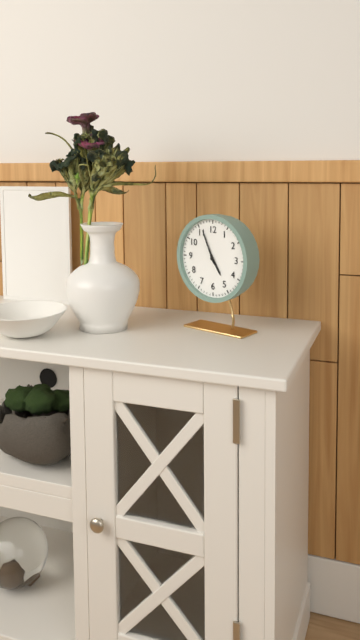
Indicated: 4:56
